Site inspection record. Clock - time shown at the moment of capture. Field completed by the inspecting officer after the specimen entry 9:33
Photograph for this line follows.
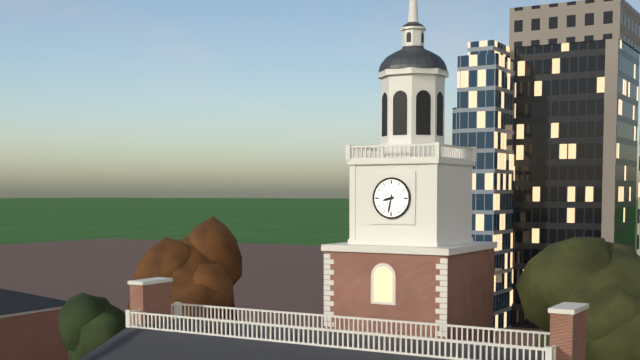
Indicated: 8:32
